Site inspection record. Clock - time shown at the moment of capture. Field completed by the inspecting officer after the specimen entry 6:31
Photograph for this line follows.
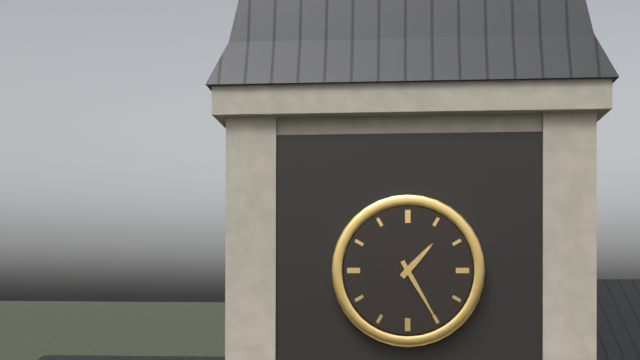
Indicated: 1:25
